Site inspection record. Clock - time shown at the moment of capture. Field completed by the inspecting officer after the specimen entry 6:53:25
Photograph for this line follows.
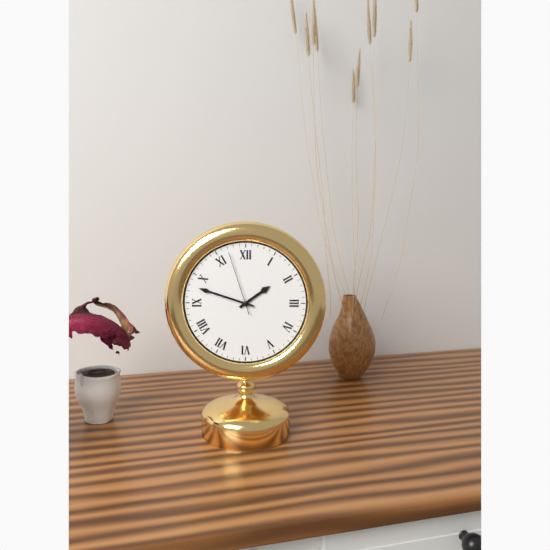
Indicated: 1:48:57
